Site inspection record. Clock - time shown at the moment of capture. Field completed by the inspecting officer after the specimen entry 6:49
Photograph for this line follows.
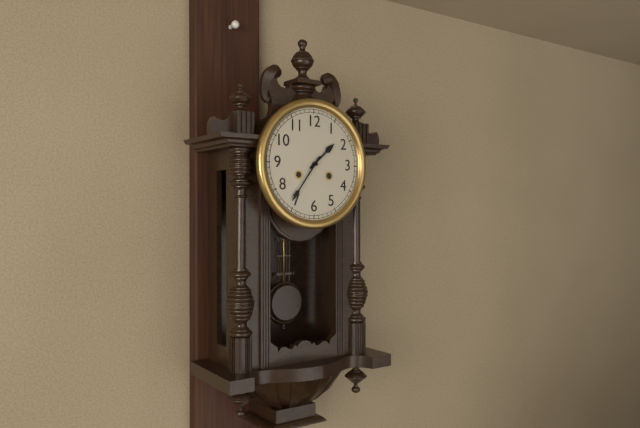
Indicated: 1:36
